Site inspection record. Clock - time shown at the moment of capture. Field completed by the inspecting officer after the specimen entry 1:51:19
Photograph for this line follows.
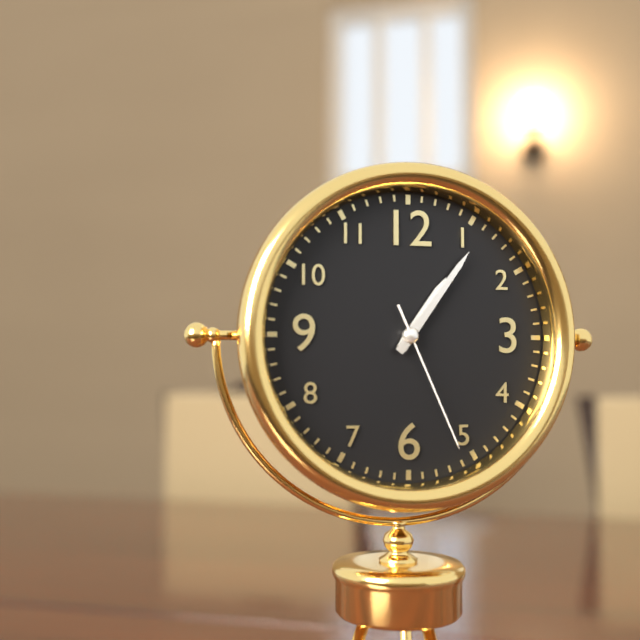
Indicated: 1:06:26
